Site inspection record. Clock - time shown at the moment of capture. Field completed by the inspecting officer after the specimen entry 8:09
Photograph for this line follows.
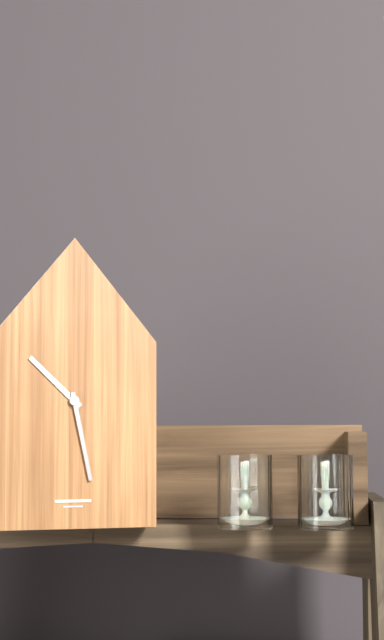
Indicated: 10:28
